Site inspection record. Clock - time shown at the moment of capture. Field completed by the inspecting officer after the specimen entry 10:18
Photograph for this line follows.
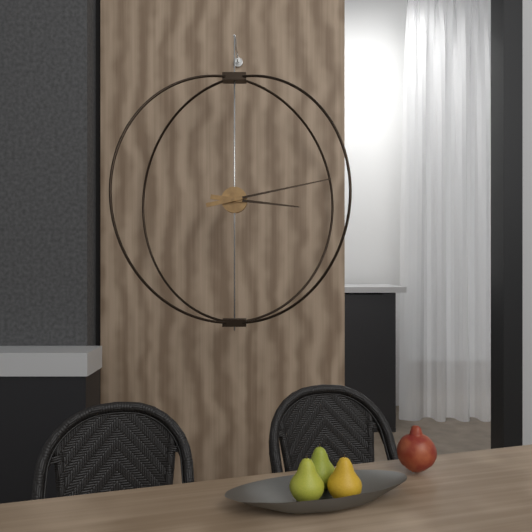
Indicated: 3:13
